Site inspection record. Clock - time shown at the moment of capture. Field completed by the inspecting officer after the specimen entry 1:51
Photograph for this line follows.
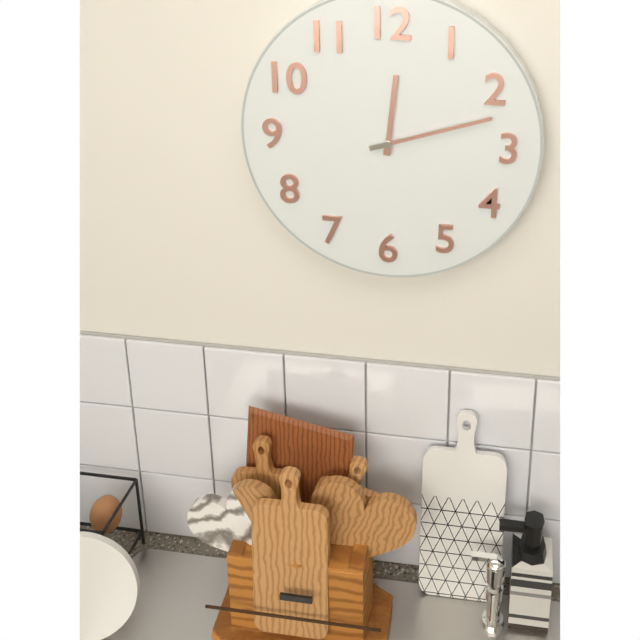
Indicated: 12:12
